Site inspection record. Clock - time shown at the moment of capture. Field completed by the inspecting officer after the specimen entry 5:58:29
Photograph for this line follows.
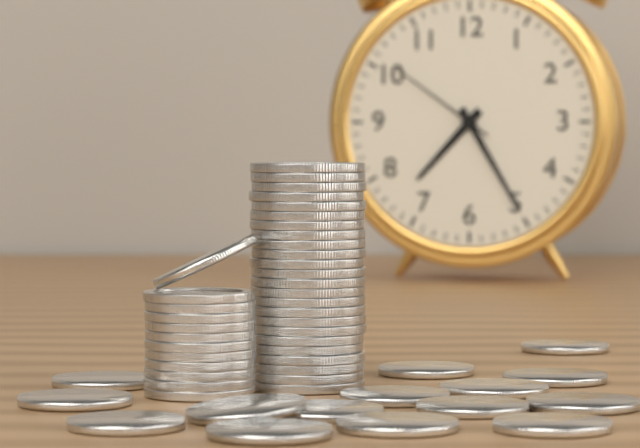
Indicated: 7:25:51
